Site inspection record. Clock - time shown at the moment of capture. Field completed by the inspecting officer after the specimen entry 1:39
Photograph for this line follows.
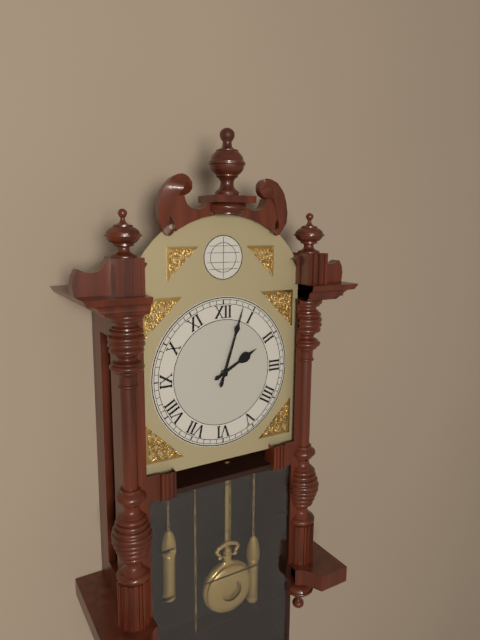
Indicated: 2:03
